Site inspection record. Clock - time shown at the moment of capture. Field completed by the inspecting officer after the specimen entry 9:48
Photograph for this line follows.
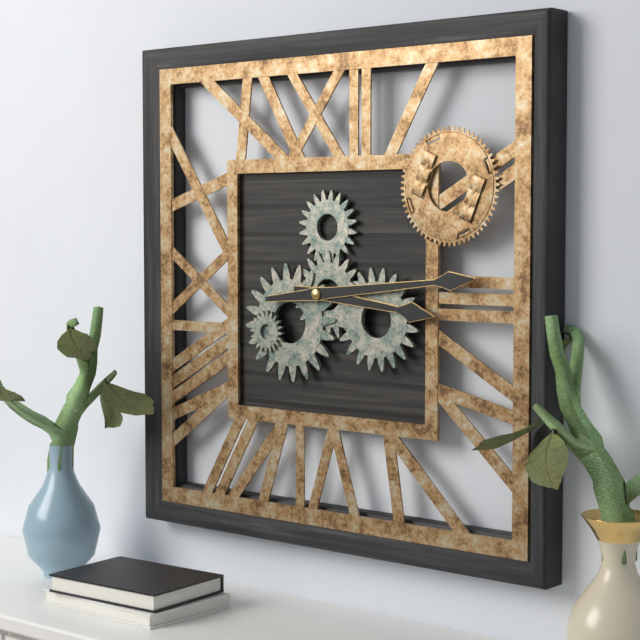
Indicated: 3:14
